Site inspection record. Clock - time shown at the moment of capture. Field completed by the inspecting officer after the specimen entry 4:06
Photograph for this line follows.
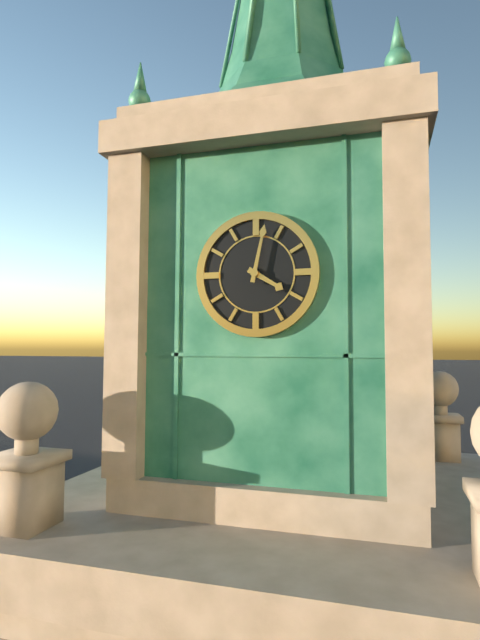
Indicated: 4:02
